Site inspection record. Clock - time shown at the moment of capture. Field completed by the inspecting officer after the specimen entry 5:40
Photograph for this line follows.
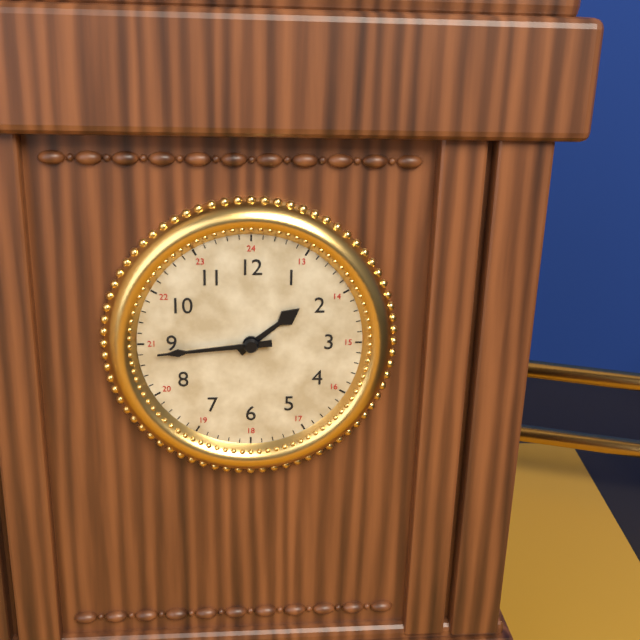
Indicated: 1:44
